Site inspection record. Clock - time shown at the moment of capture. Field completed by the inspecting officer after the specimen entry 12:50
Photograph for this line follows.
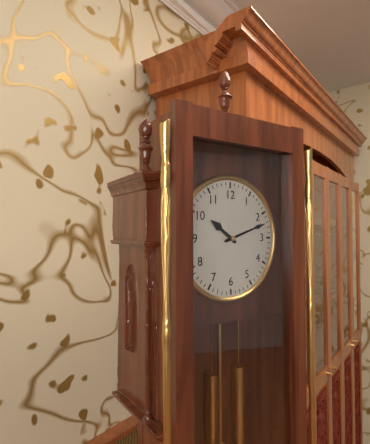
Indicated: 10:12
